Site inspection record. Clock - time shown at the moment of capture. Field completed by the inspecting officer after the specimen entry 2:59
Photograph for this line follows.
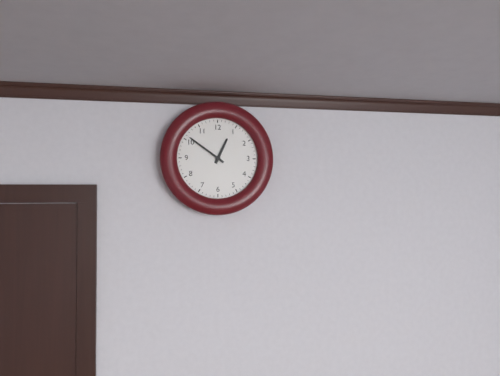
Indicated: 12:51
